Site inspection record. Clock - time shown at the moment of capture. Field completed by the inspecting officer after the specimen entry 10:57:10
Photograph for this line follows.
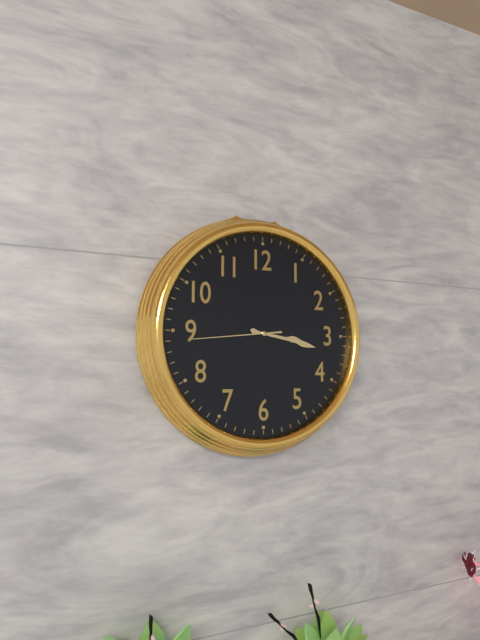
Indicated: 3:17:44
